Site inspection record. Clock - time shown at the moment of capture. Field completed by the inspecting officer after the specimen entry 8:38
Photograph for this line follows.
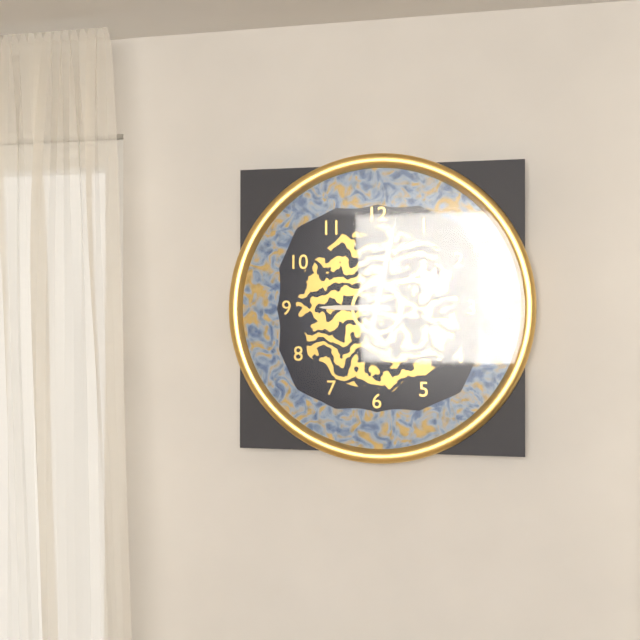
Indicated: 9:02
